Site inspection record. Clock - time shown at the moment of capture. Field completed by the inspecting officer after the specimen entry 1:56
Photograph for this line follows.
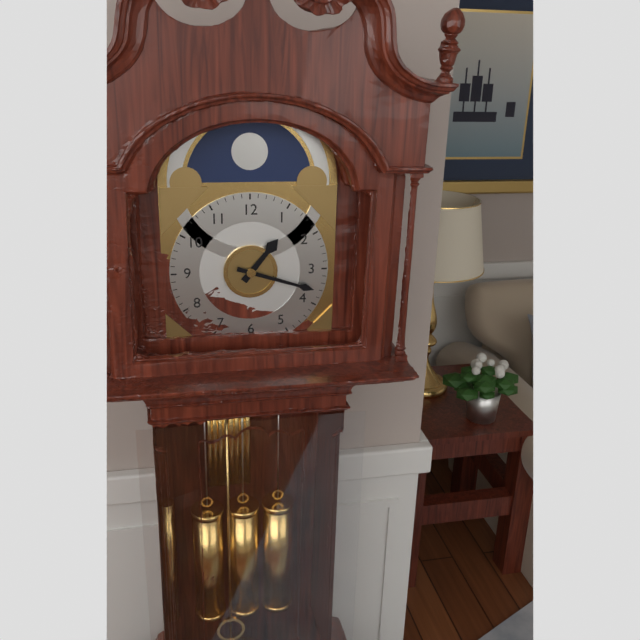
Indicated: 1:18
